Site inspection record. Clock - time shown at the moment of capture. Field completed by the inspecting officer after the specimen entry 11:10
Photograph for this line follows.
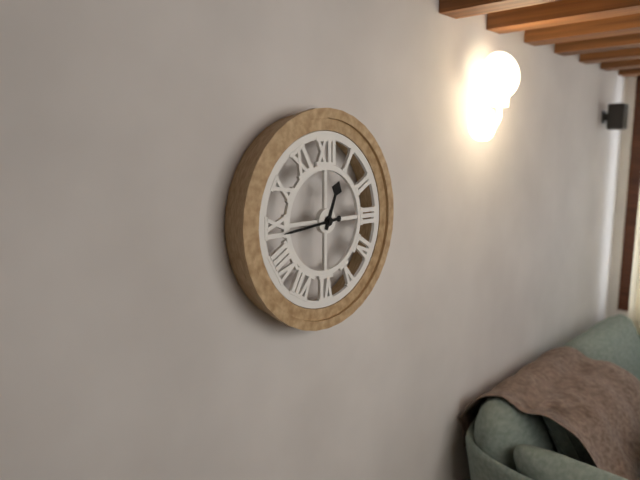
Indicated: 12:44
